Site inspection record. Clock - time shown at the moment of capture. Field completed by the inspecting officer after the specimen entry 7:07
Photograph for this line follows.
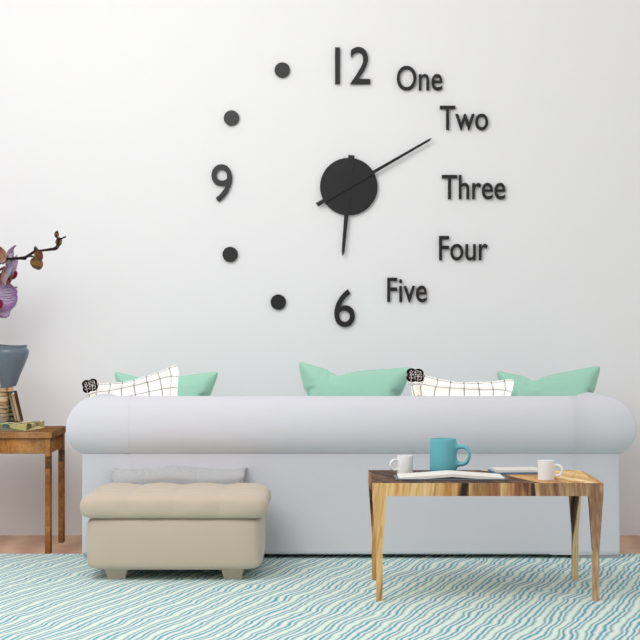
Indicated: 6:10
